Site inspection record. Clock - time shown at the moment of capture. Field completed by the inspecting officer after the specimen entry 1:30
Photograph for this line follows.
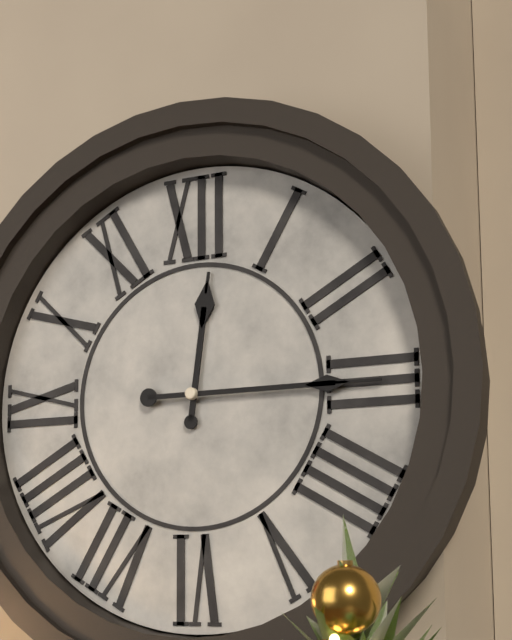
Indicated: 12:15
